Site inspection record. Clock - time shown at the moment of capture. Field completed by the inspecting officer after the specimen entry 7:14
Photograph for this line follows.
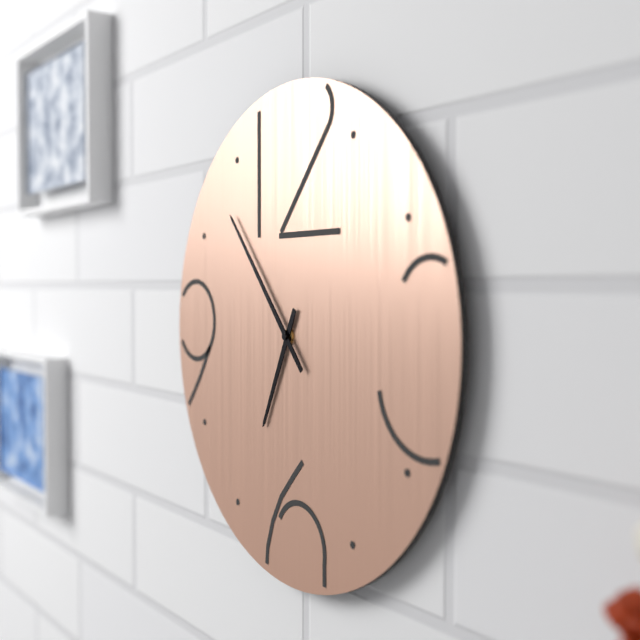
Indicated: 6:53
